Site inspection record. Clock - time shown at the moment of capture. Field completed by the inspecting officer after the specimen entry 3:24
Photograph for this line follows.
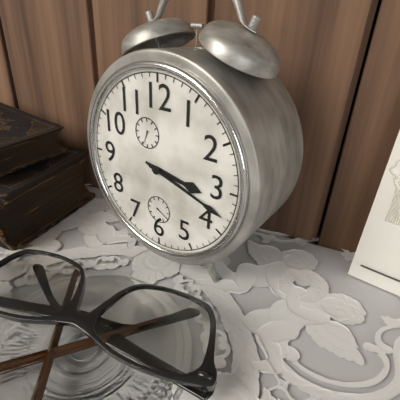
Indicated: 3:18
